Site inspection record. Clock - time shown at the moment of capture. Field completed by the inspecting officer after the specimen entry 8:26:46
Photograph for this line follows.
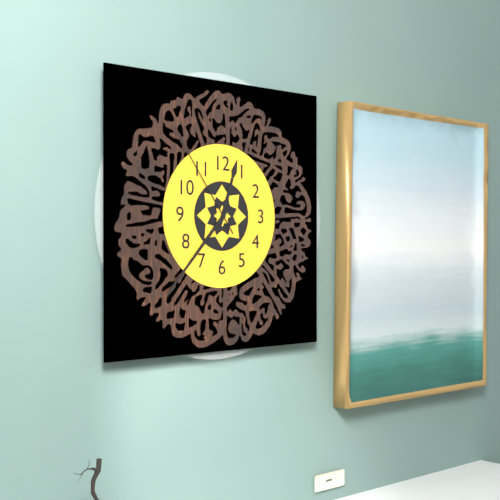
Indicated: 12:37:54
